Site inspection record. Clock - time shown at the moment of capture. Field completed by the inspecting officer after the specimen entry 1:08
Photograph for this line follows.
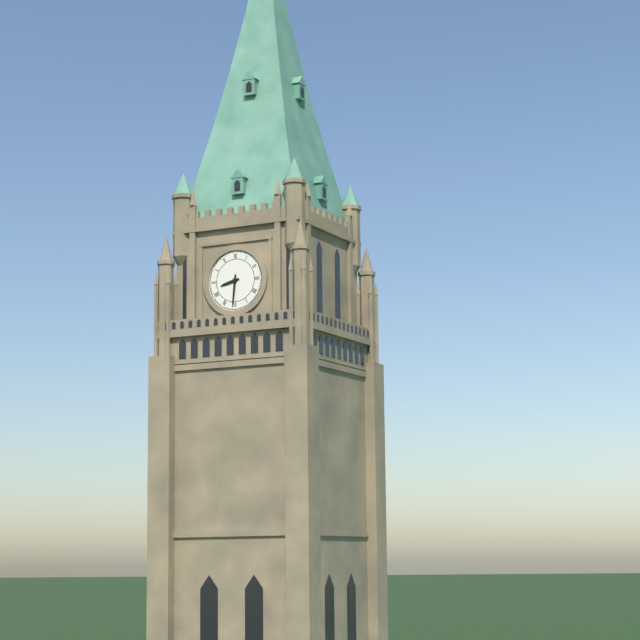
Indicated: 8:31
